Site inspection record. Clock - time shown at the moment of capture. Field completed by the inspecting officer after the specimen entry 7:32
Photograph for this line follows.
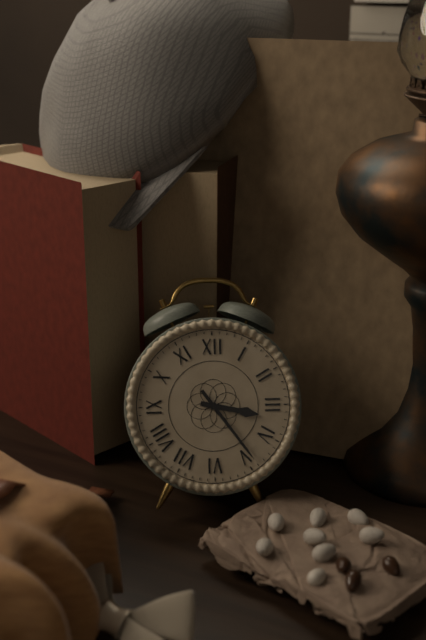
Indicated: 3:24
